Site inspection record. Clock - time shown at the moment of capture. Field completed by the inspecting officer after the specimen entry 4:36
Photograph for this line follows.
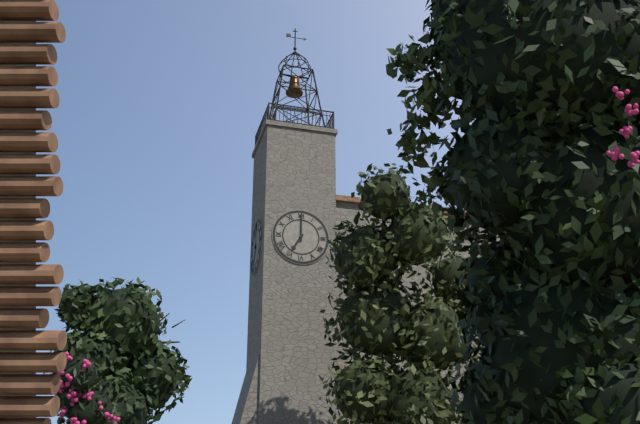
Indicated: 7:00
